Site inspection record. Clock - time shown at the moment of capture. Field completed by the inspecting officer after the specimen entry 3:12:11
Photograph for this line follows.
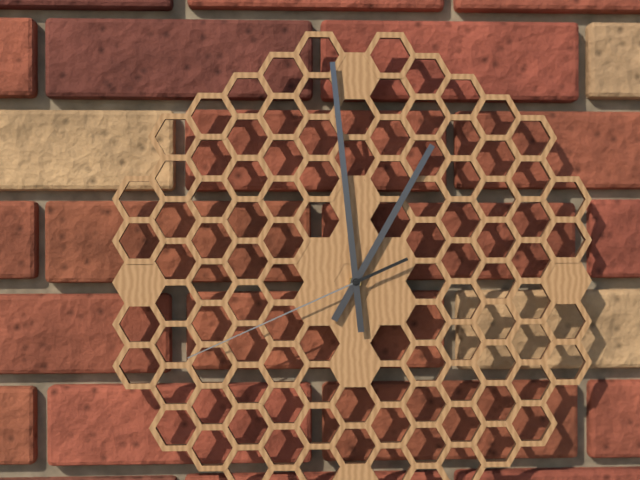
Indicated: 12:59:41
